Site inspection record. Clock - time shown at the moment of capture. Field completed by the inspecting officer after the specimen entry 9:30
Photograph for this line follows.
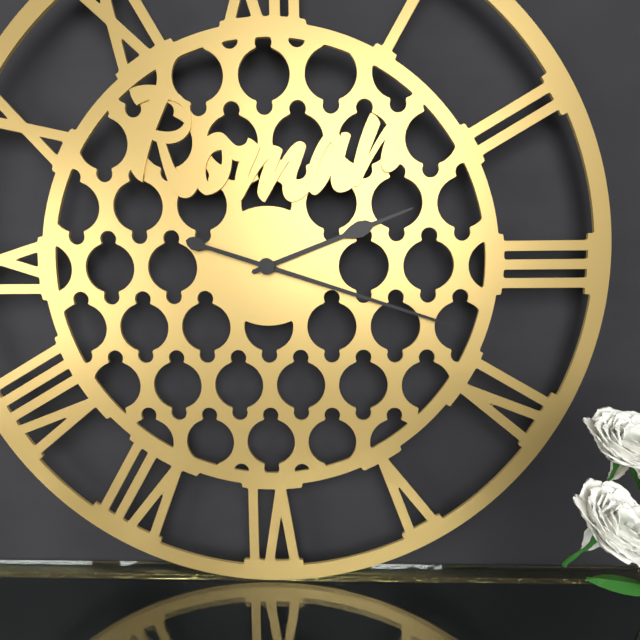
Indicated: 2:18
